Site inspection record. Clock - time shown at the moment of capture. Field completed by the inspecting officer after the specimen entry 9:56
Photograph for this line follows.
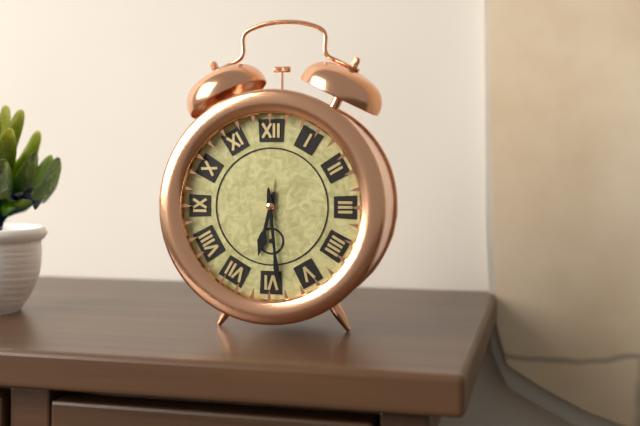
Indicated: 6:29
